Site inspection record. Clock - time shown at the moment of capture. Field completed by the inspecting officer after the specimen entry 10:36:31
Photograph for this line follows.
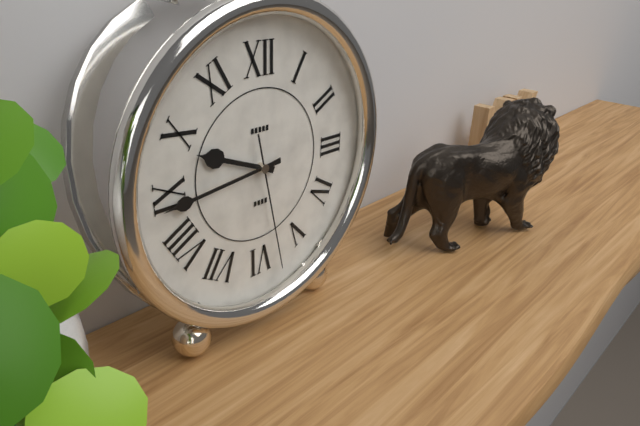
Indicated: 9:44:28
